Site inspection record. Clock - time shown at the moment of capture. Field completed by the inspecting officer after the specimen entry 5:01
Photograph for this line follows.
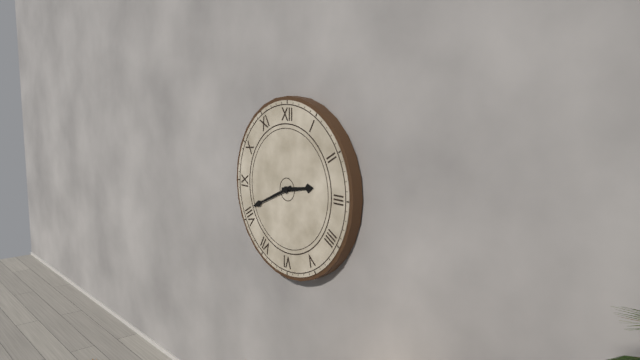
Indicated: 2:41
